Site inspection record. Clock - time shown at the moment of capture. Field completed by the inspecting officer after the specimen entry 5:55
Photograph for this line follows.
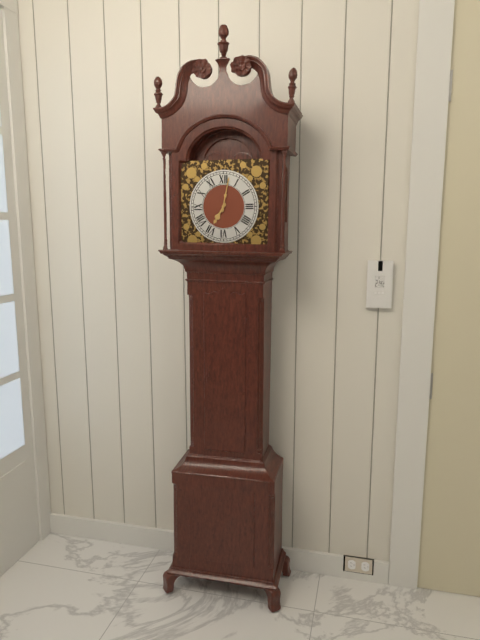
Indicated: 7:02
